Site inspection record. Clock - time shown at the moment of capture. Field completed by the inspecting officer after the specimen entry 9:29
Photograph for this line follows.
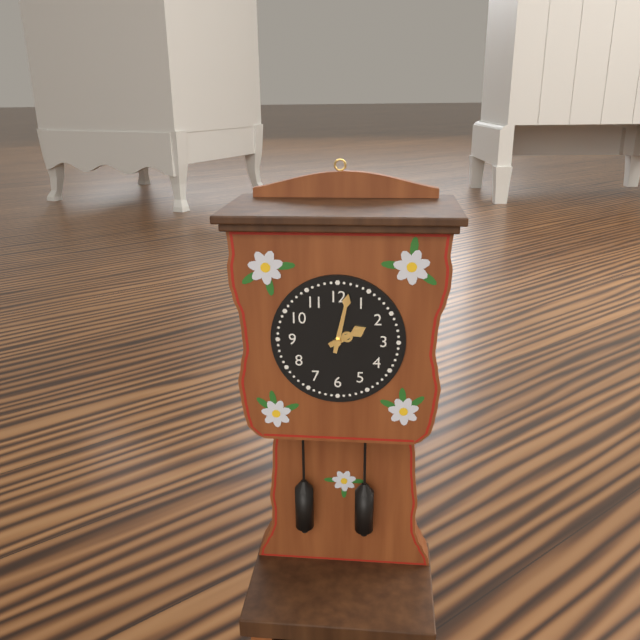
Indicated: 2:02
